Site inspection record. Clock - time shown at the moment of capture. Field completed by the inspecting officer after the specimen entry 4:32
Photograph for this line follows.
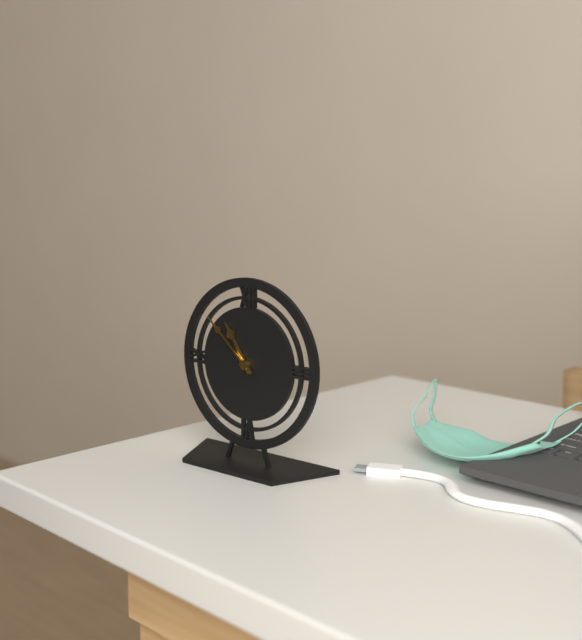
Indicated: 10:52
